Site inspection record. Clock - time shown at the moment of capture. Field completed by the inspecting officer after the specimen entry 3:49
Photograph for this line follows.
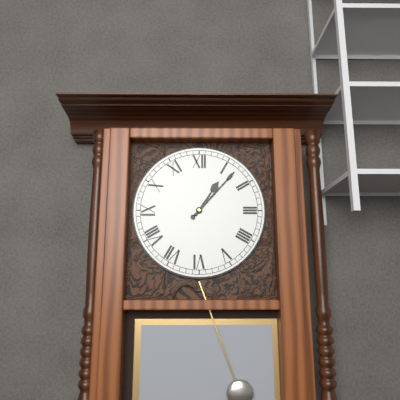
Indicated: 1:07
